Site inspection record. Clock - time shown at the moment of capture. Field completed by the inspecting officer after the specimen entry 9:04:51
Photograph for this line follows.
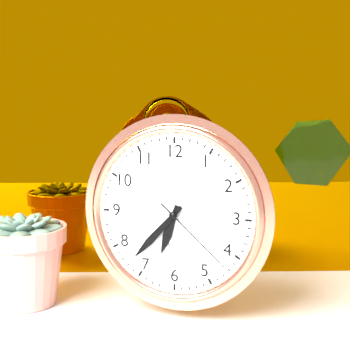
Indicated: 6:37:22
